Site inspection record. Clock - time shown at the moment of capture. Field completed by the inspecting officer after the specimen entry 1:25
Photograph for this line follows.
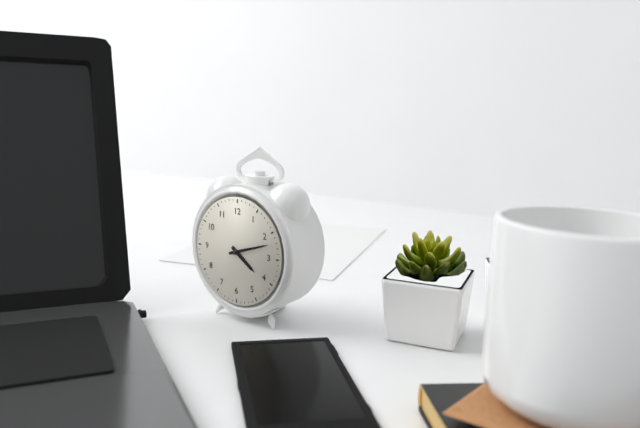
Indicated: 4:12
